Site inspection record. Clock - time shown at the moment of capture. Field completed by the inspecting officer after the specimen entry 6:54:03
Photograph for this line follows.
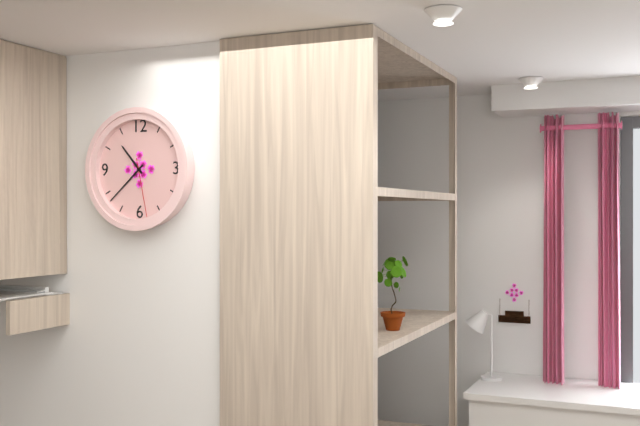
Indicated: 10:38:28
